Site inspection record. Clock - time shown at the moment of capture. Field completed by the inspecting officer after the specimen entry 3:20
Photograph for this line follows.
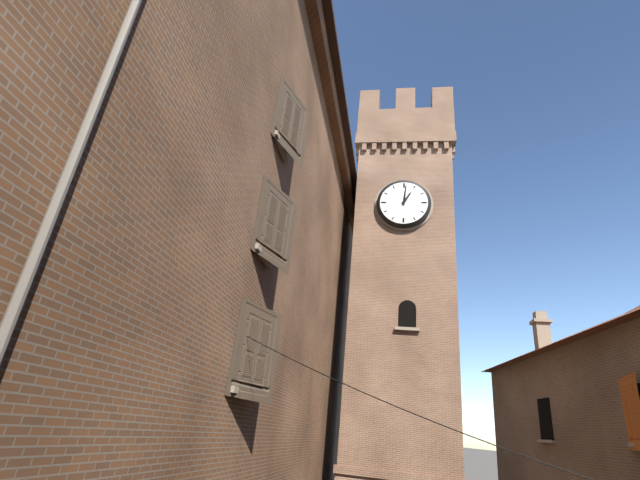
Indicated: 1:01
